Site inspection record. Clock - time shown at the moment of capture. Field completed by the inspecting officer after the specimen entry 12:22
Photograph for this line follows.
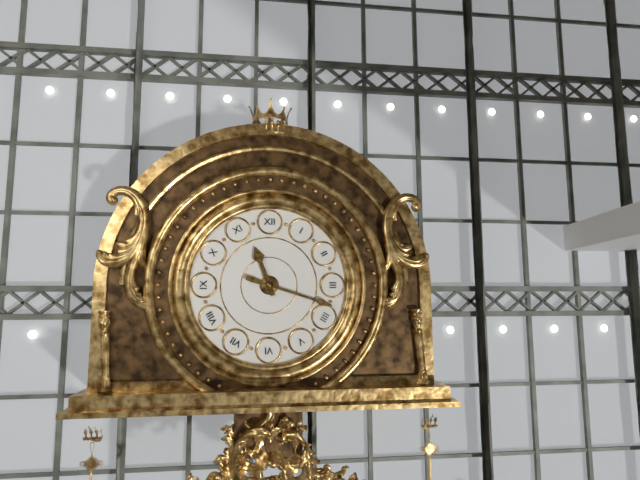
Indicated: 11:18
